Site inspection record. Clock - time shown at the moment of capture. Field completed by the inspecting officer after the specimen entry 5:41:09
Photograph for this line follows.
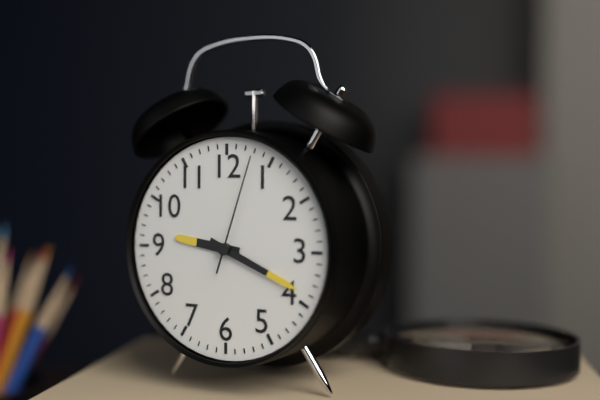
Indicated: 9:19:03
